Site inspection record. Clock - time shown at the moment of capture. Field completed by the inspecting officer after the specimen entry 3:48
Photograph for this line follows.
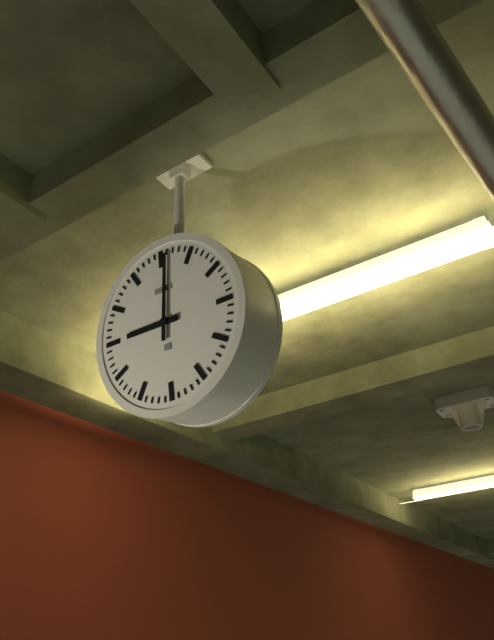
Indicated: 9:01
